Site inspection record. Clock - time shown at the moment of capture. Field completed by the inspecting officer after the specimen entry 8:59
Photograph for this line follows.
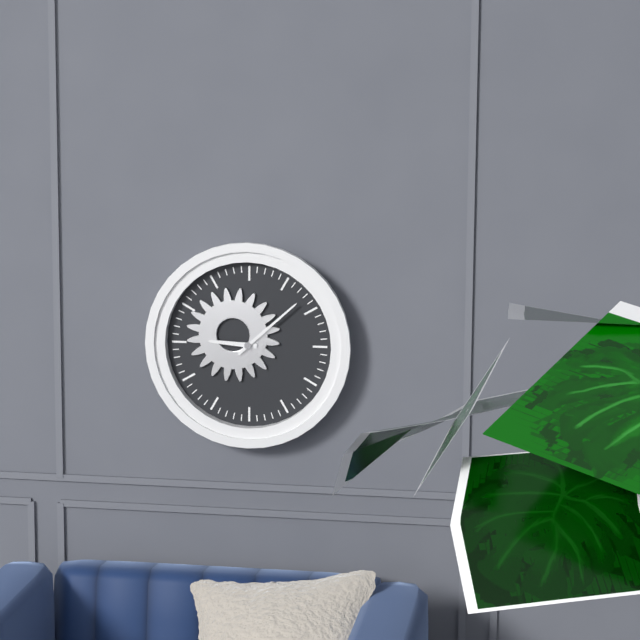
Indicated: 9:08
